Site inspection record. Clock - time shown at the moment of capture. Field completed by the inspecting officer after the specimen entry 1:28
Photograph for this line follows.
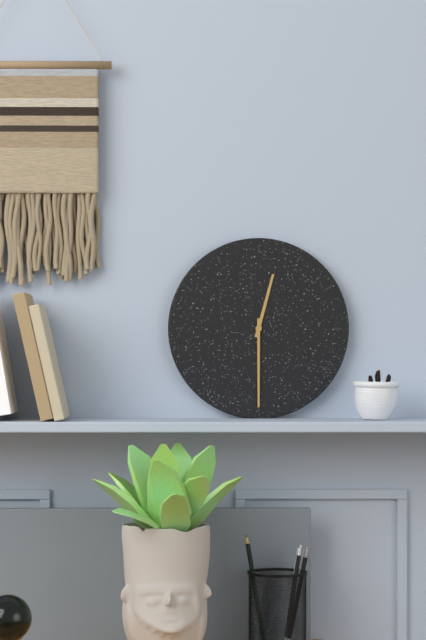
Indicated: 12:30
